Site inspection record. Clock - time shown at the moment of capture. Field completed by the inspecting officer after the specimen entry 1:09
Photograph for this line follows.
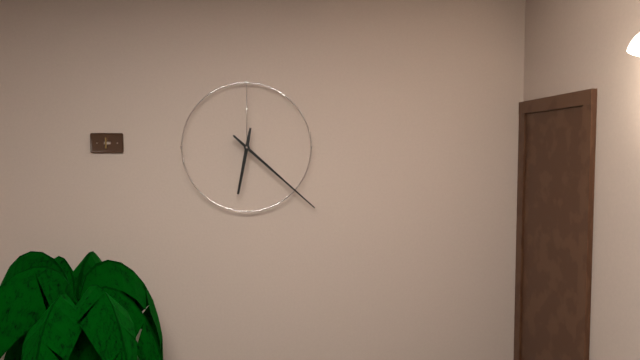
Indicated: 6:22
